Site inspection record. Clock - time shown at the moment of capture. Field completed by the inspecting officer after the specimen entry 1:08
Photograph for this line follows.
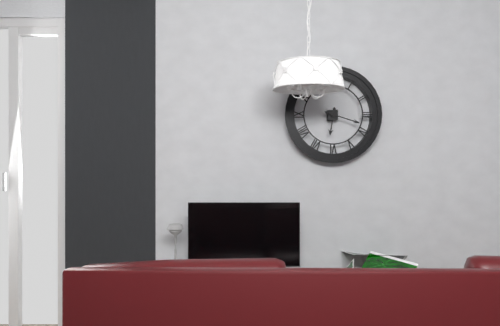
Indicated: 6:18
